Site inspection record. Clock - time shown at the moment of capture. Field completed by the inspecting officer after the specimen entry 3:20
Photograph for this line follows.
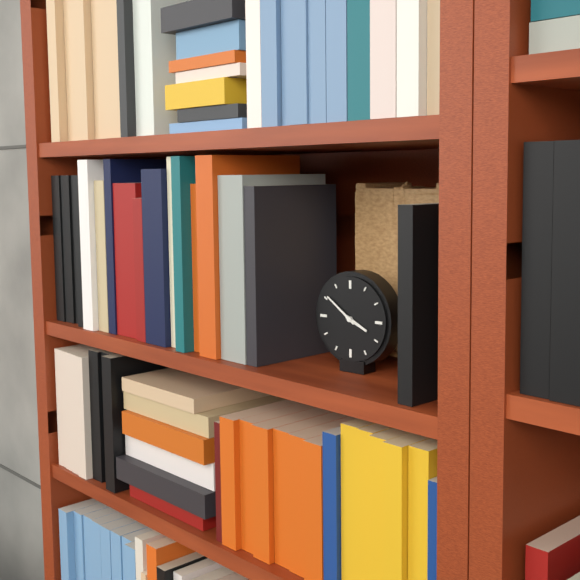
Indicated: 3:51
